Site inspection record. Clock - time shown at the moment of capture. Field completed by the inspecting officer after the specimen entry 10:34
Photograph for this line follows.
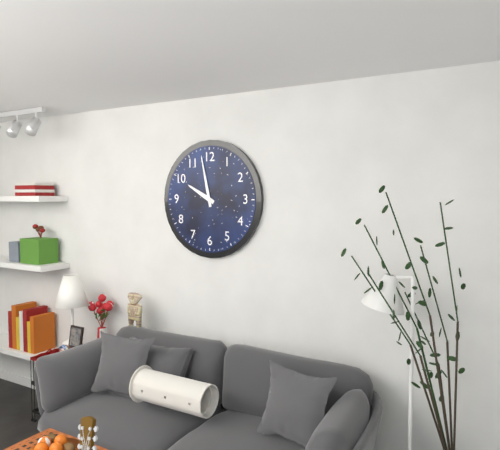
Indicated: 9:58
